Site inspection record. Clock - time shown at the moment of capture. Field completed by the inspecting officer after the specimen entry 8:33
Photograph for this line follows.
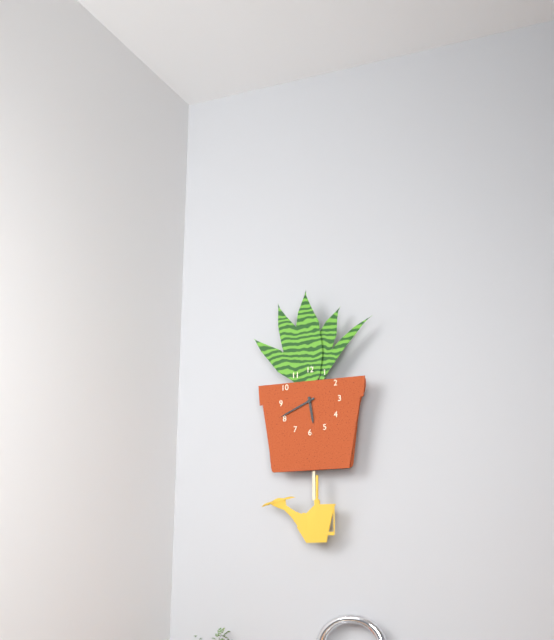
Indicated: 5:41
